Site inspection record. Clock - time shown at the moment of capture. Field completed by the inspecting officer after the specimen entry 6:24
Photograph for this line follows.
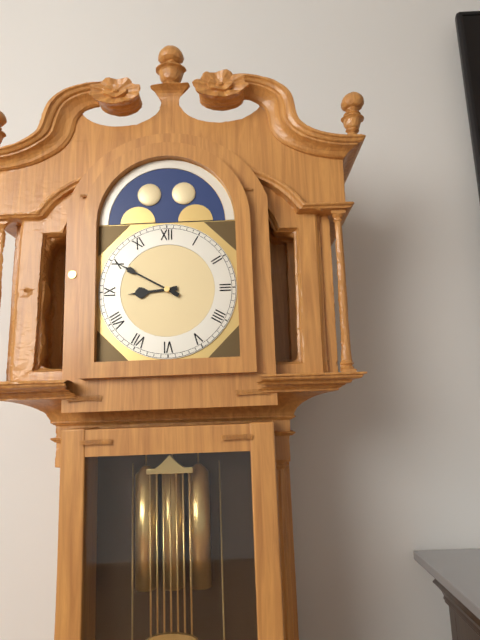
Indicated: 8:50
